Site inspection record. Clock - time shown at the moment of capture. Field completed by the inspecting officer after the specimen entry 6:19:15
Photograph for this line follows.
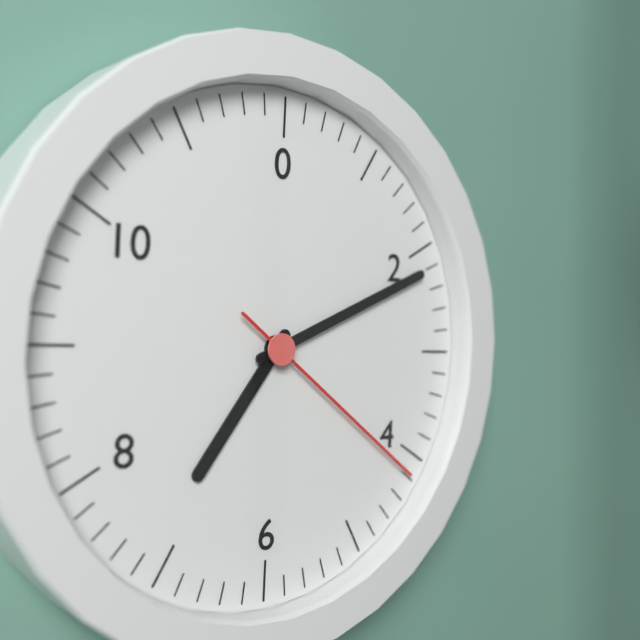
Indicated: 7:11:21
